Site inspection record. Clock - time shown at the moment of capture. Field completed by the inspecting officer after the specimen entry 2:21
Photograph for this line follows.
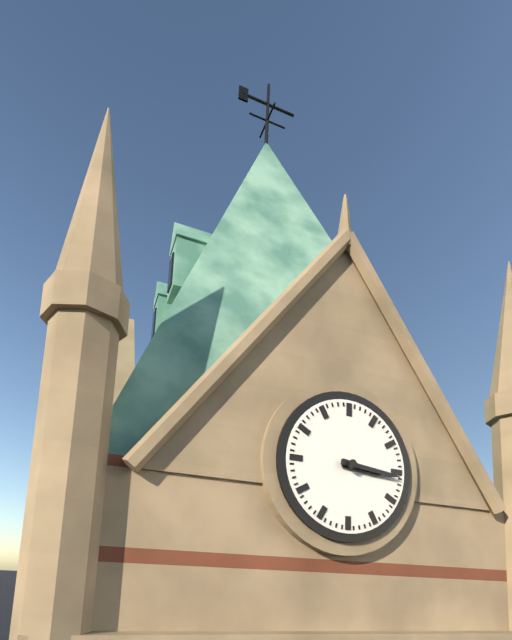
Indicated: 3:16
